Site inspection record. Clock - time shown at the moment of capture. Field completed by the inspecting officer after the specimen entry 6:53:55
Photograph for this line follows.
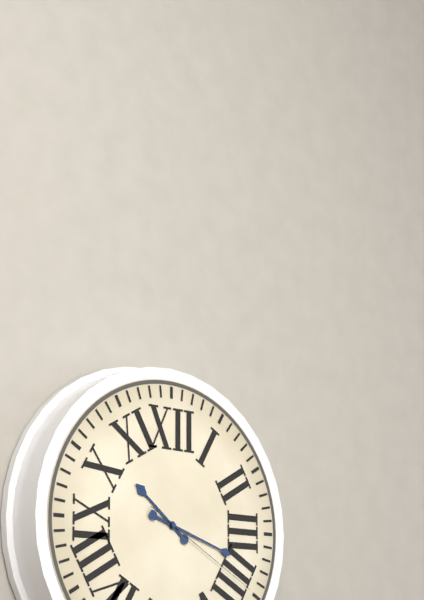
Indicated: 10:18:20
